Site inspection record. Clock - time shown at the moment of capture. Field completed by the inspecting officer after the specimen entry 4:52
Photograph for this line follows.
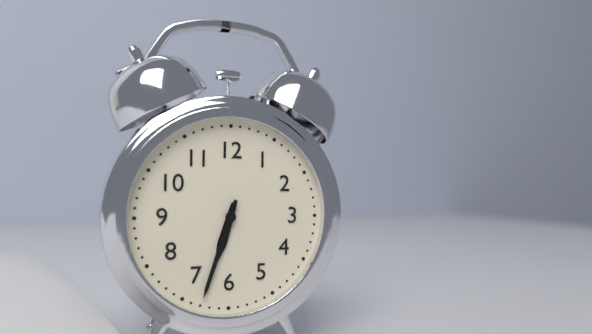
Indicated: 6:33
